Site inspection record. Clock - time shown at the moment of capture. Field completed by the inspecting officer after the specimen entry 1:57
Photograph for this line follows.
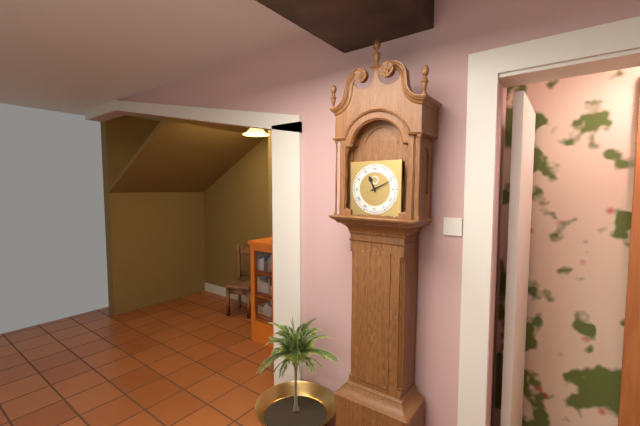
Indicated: 11:11
